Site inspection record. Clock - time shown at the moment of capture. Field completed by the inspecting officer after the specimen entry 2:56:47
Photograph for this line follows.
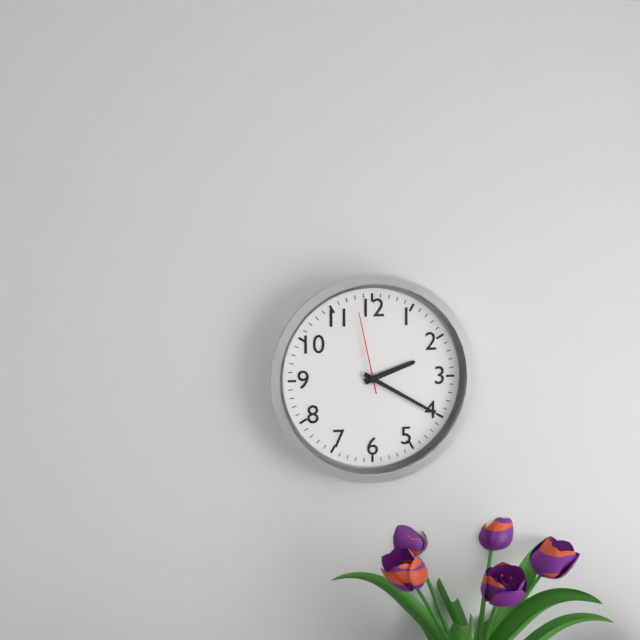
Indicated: 2:20:58
